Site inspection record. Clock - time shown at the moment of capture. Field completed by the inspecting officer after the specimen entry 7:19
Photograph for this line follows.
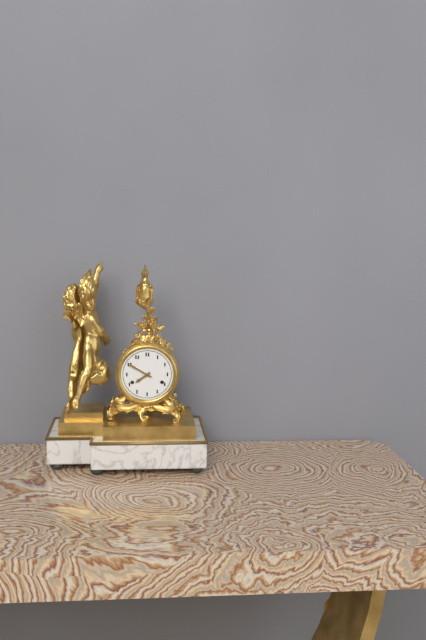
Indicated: 7:50
